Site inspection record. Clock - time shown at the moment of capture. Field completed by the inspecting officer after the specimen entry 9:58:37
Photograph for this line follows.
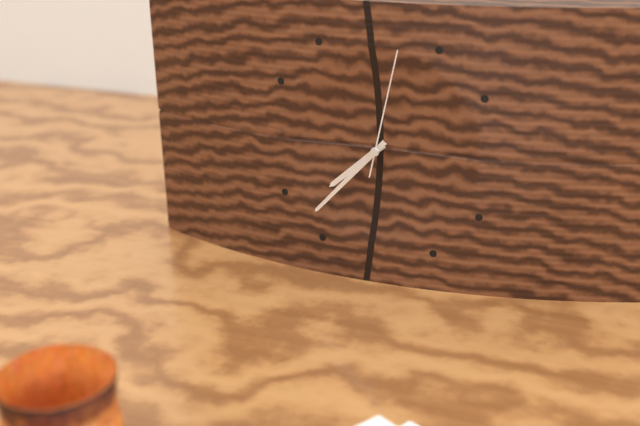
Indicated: 7:37:02
